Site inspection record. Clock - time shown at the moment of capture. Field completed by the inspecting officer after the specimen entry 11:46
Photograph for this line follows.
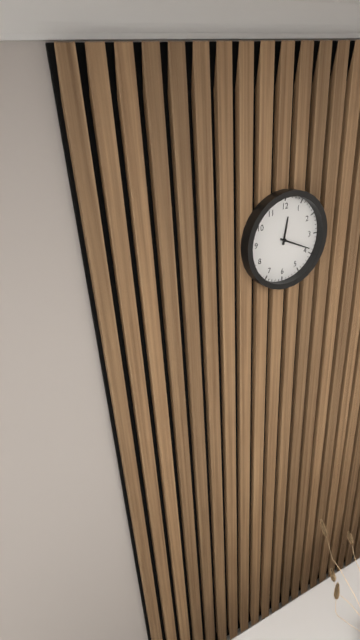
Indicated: 12:19
